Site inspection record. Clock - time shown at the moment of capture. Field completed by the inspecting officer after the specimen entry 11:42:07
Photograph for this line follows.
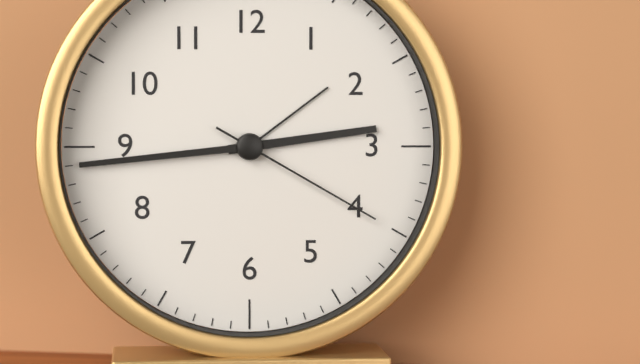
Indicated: 2:44:20
